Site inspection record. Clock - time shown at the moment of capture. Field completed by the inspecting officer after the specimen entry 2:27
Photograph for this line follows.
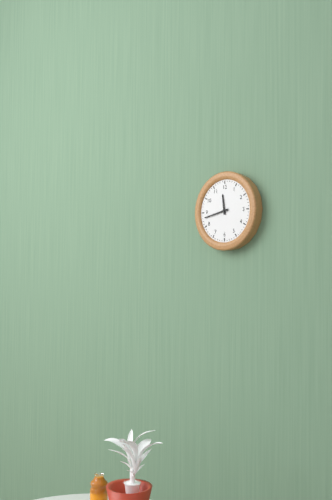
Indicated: 11:43
